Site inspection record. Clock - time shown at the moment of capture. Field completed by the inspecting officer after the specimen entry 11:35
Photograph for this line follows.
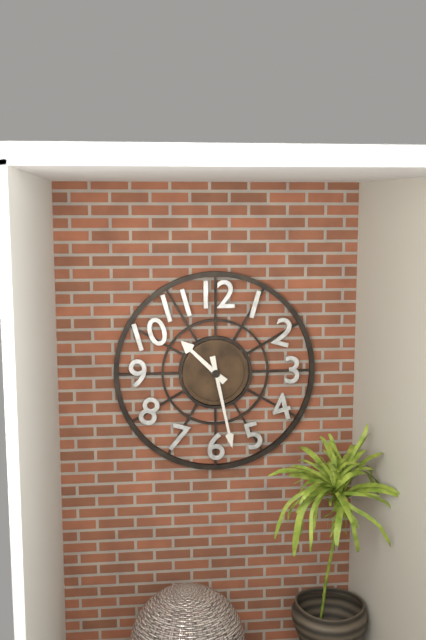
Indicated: 10:28
